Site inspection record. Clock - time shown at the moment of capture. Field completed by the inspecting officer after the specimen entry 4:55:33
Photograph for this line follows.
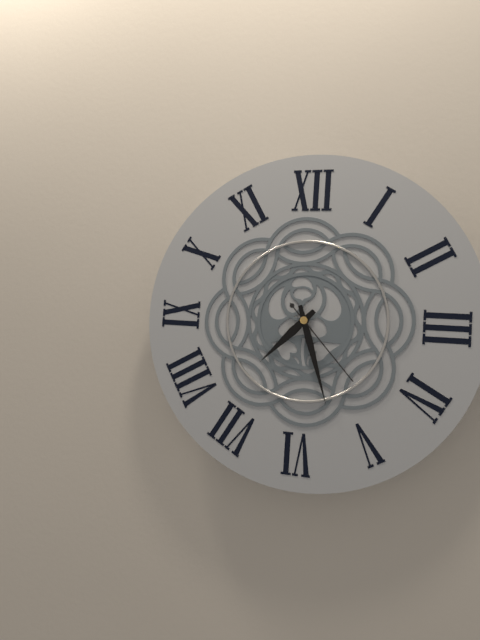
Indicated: 7:27:23
